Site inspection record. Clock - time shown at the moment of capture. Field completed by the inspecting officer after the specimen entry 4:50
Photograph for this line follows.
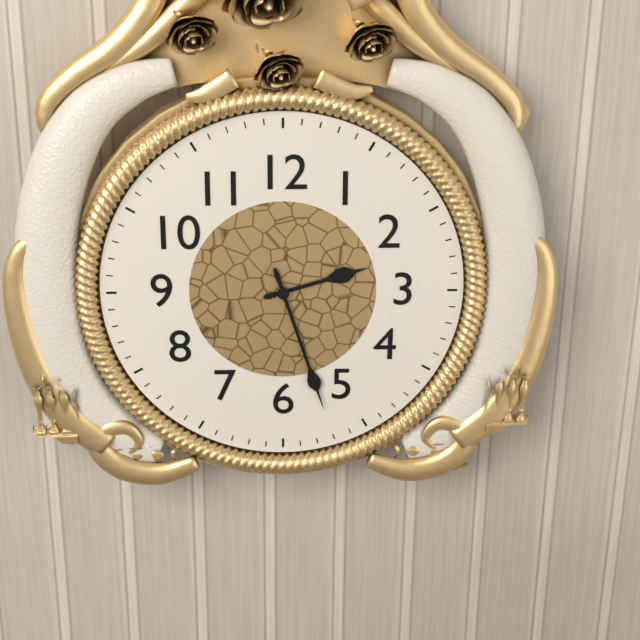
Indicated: 2:27
